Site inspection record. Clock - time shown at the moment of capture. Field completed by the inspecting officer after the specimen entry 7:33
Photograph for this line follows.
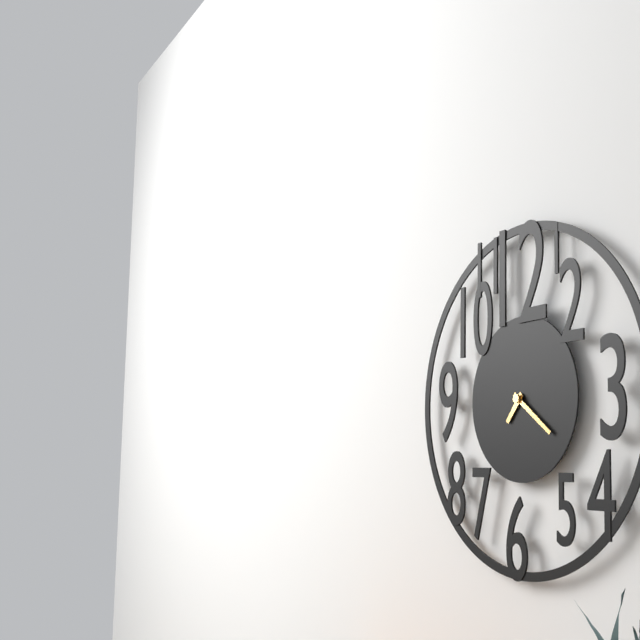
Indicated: 7:21
